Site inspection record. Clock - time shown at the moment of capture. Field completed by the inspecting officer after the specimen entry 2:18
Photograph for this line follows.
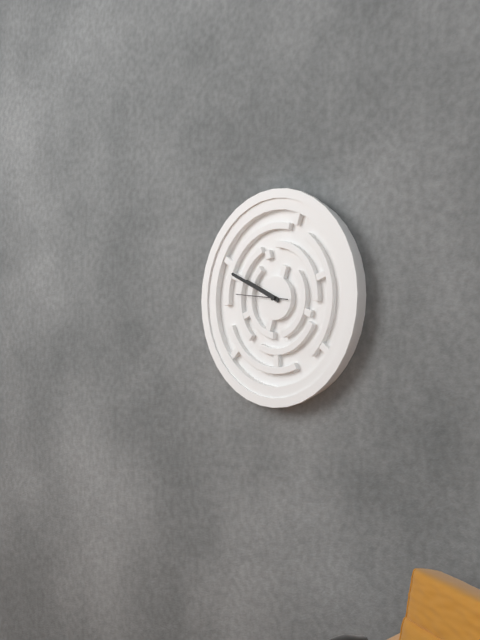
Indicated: 9:49
